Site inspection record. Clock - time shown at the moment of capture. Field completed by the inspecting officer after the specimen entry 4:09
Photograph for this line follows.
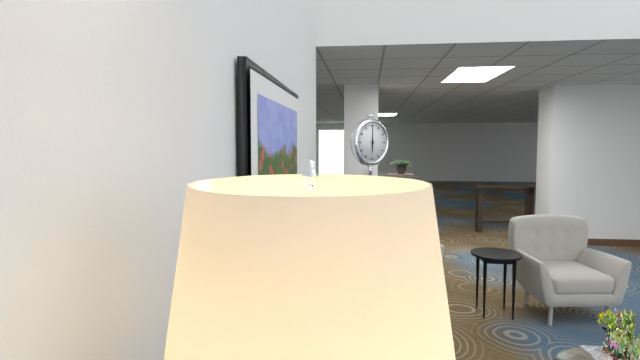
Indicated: 6:00
